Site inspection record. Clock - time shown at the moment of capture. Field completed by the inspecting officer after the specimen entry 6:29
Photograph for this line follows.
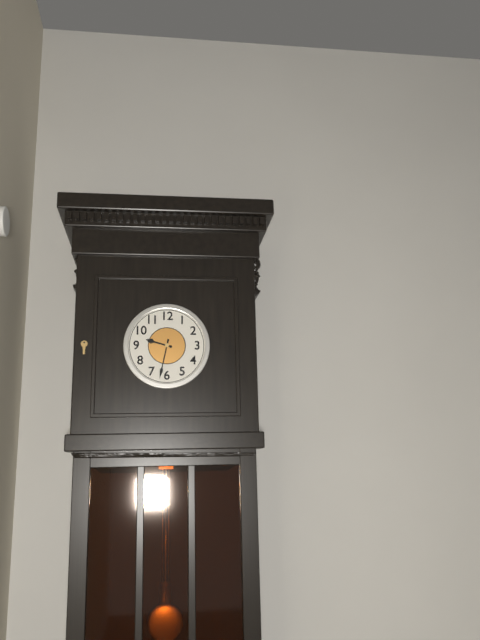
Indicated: 9:32
